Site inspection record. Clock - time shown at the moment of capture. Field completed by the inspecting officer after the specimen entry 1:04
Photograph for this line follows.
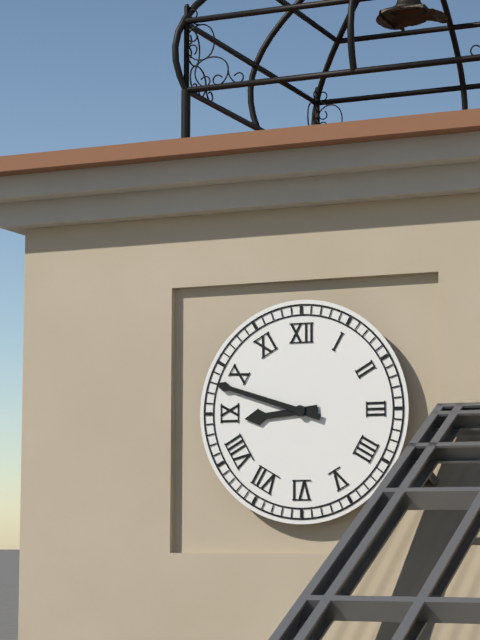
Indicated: 8:48
